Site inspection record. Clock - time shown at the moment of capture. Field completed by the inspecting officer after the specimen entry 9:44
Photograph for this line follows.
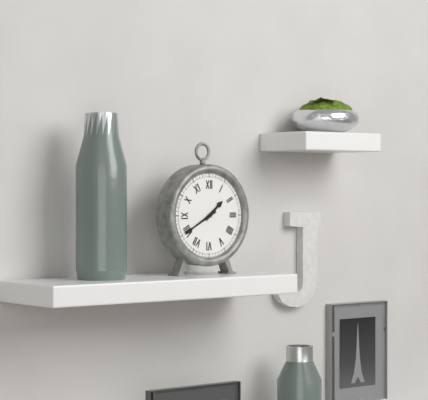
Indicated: 1:40
